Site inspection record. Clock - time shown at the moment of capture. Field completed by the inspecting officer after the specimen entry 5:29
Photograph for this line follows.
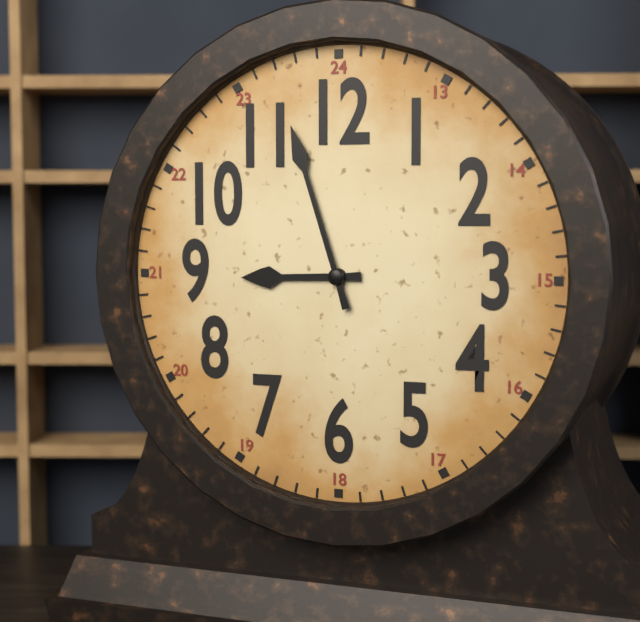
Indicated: 8:57
